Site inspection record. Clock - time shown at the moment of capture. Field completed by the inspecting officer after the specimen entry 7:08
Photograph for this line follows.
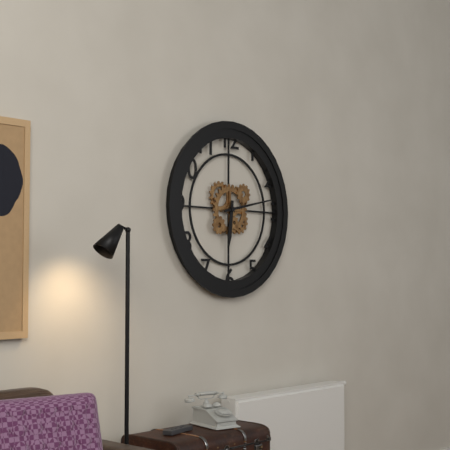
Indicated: 6:13
